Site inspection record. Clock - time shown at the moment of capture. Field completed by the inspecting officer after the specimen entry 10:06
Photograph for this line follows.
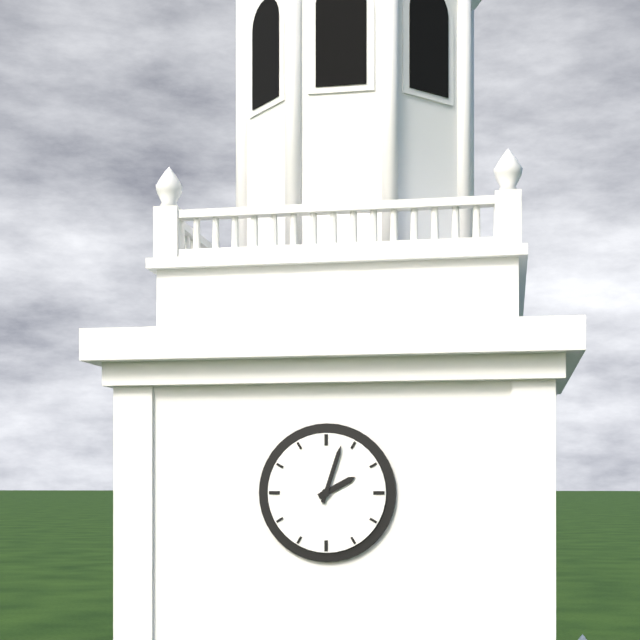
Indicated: 2:03
